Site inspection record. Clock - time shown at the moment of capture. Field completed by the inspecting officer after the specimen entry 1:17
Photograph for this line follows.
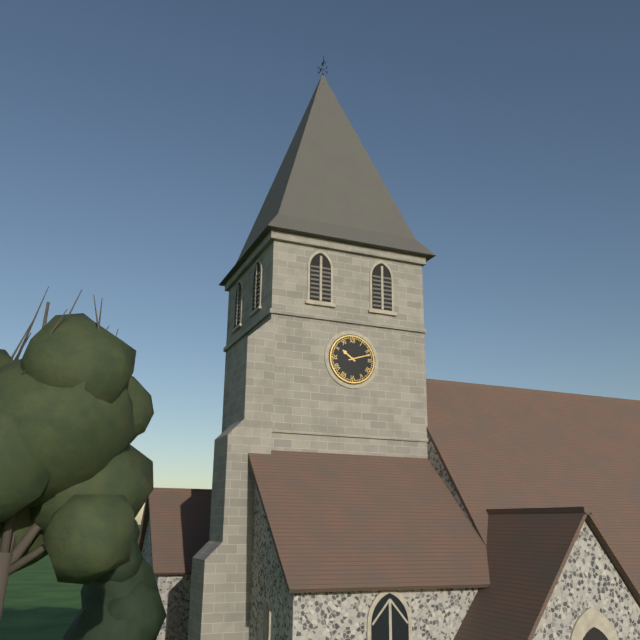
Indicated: 10:12
